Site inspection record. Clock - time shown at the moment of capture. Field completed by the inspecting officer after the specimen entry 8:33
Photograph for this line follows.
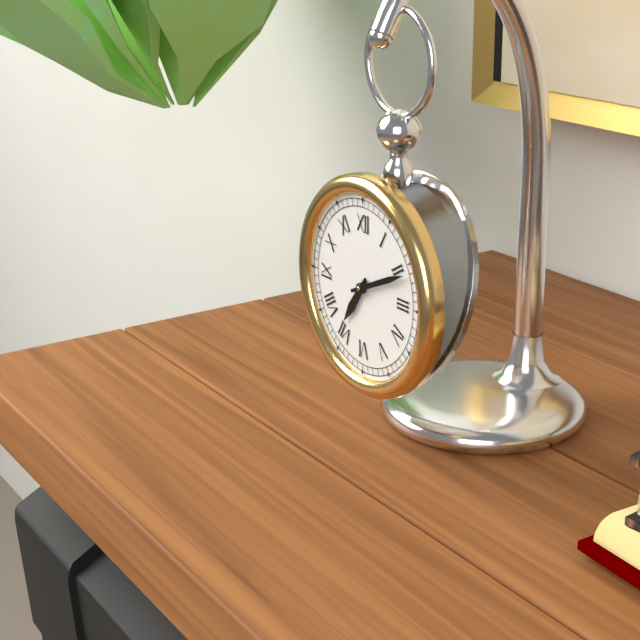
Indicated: 7:11
